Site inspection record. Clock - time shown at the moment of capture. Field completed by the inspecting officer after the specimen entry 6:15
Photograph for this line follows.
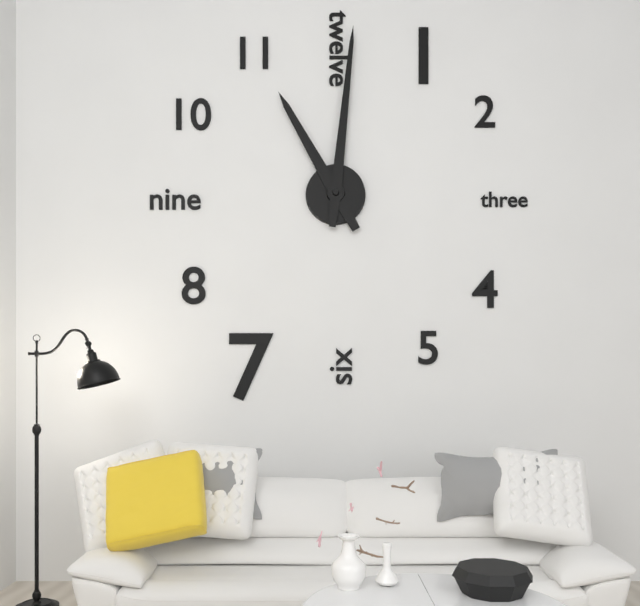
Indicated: 11:01
